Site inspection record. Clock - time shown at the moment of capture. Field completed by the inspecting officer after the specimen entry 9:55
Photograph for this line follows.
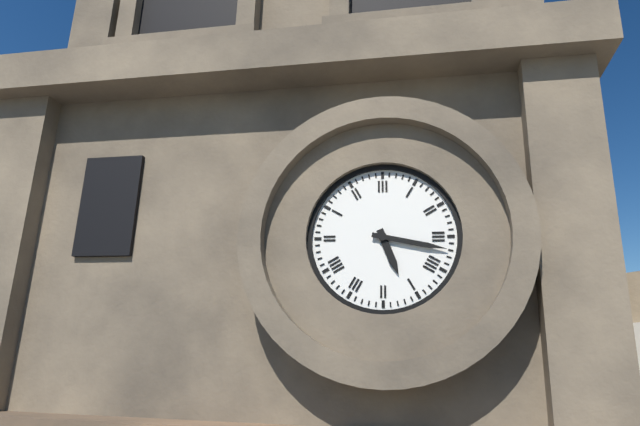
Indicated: 5:17
